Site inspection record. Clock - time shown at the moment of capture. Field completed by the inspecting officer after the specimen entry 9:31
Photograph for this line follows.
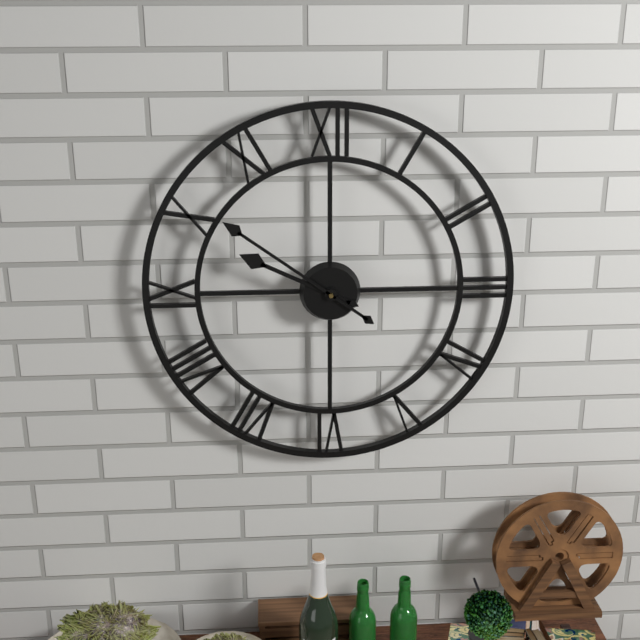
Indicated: 9:51
